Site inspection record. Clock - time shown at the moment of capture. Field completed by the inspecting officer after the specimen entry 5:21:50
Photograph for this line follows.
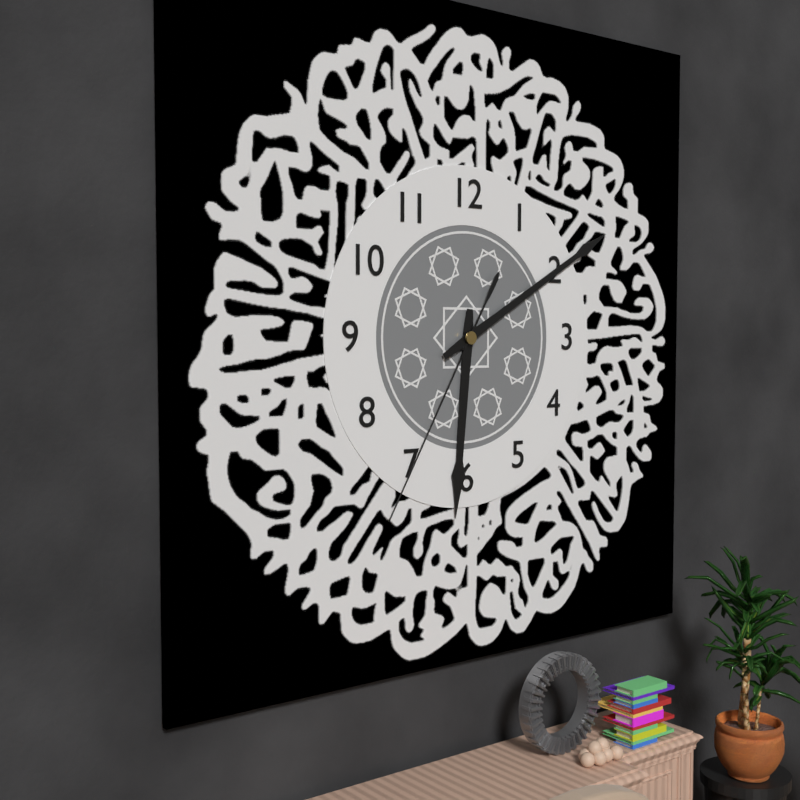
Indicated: 6:10:35
